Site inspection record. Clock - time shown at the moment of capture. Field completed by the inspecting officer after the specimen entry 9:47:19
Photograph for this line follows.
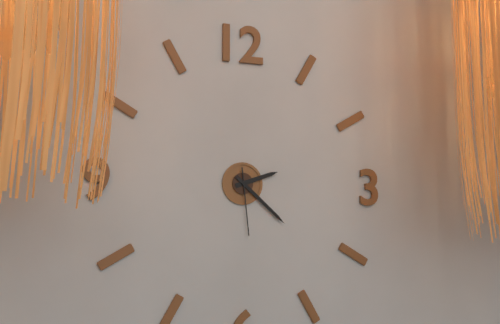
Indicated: 2:22:29
